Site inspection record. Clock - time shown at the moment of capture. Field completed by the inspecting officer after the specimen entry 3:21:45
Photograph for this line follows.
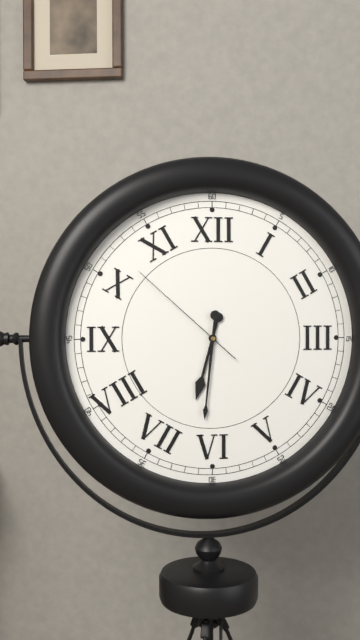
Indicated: 6:31:52
